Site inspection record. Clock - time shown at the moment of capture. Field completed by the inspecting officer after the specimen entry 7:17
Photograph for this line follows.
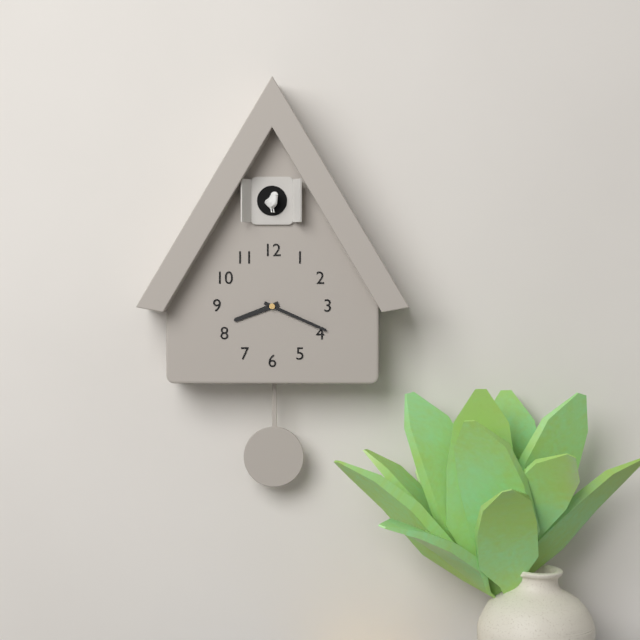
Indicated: 8:19
